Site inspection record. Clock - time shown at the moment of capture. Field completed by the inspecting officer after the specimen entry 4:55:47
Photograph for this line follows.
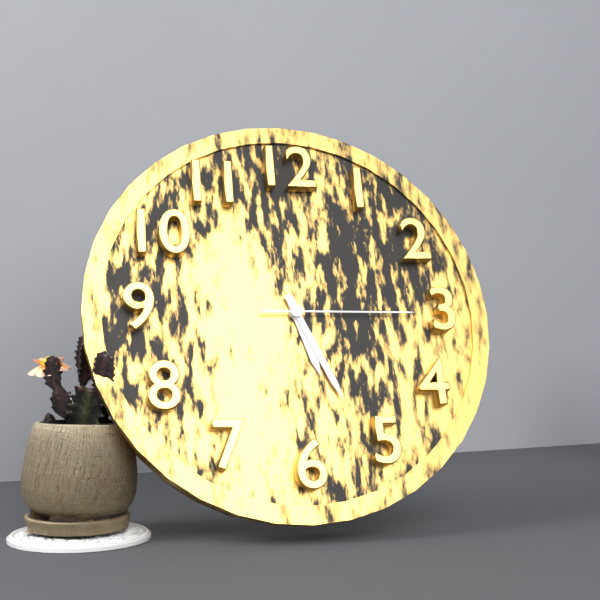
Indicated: 5:26:15
